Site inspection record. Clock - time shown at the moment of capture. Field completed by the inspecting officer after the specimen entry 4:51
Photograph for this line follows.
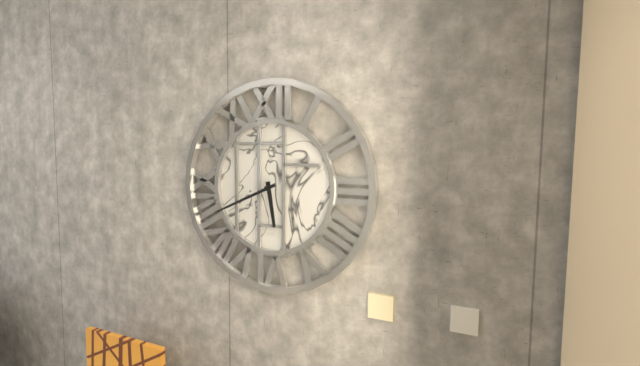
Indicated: 5:41
